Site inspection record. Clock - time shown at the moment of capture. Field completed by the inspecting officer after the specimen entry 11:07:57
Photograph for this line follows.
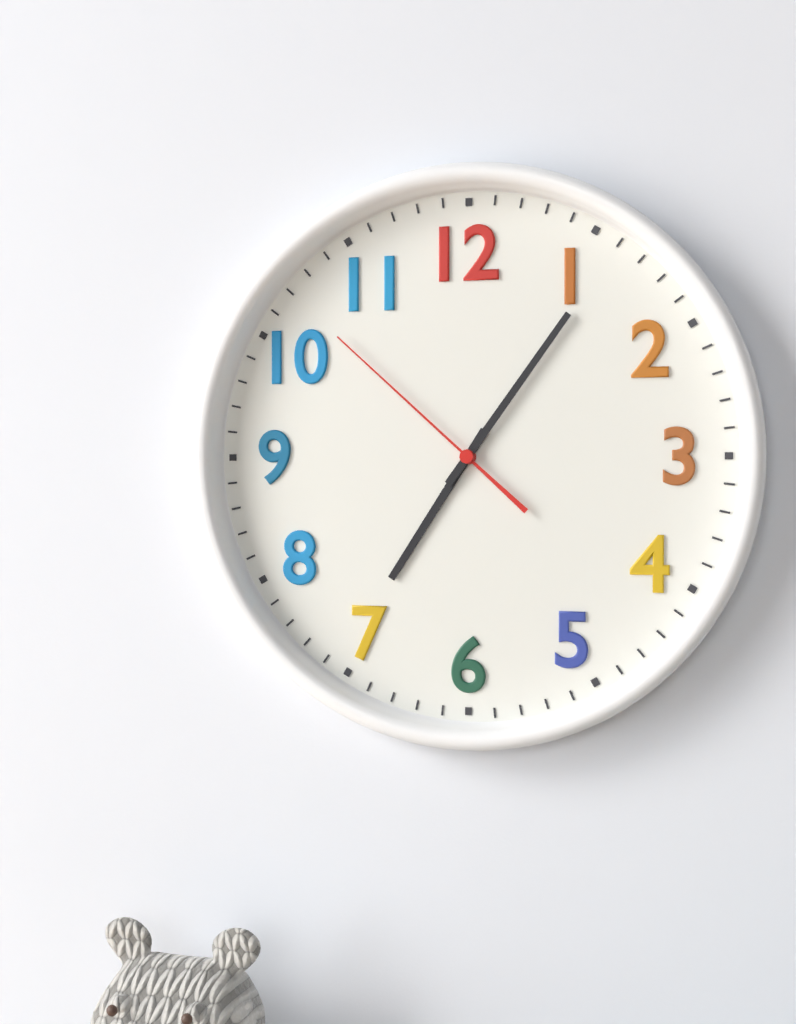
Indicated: 7:06:52
